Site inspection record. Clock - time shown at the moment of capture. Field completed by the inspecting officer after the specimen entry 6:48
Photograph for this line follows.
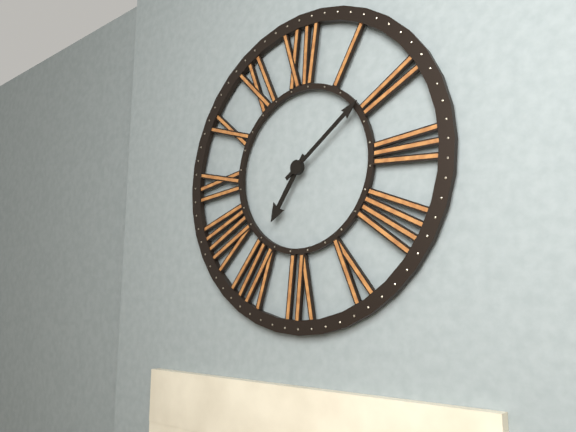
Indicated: 7:09
